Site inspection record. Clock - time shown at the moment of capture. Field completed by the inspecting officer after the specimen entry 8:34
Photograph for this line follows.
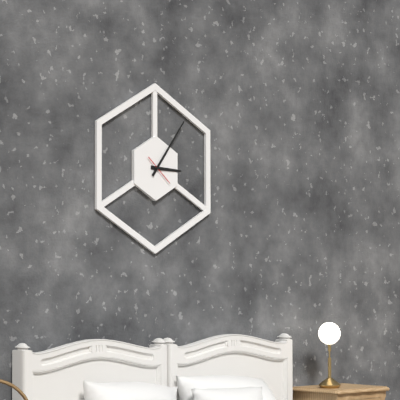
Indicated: 3:06
